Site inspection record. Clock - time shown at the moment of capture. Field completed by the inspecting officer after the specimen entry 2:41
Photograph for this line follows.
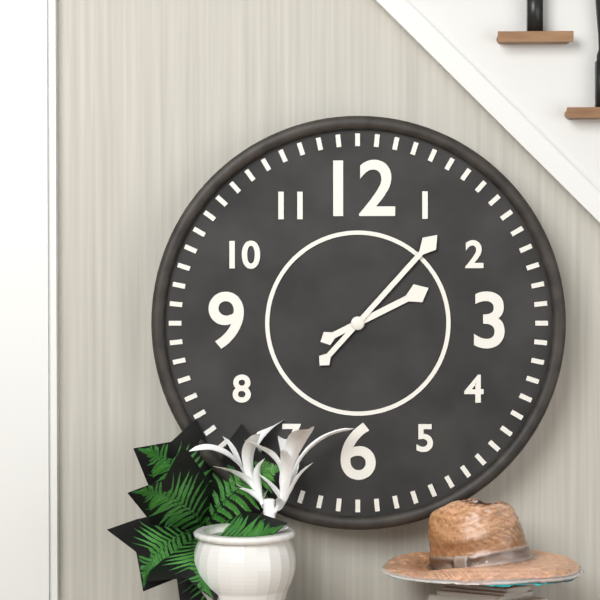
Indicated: 2:07
